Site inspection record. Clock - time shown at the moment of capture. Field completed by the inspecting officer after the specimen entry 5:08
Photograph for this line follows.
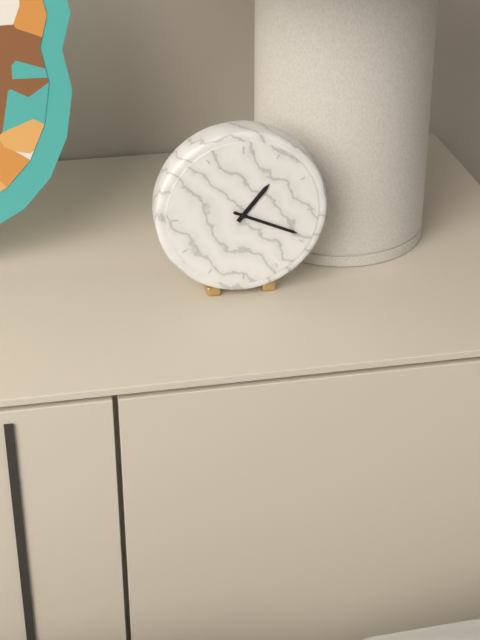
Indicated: 1:19
